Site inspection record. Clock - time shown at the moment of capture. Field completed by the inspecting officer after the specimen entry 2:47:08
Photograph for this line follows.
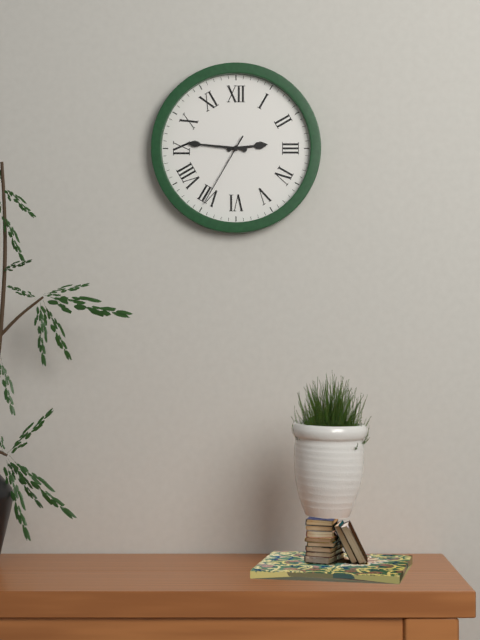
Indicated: 2:46:35
